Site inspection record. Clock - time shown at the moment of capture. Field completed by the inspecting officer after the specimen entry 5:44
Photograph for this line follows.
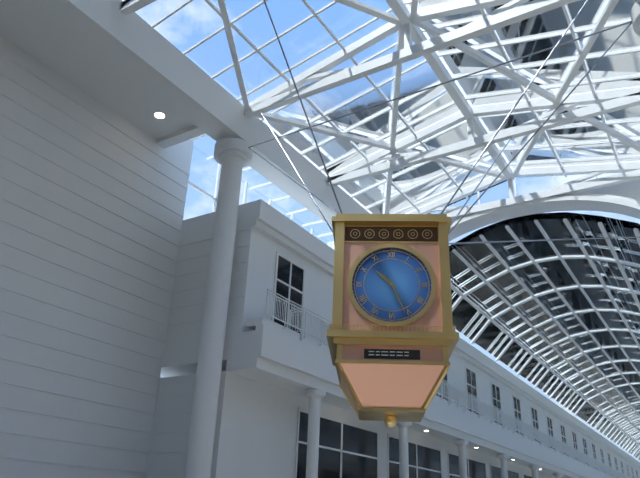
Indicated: 10:26
